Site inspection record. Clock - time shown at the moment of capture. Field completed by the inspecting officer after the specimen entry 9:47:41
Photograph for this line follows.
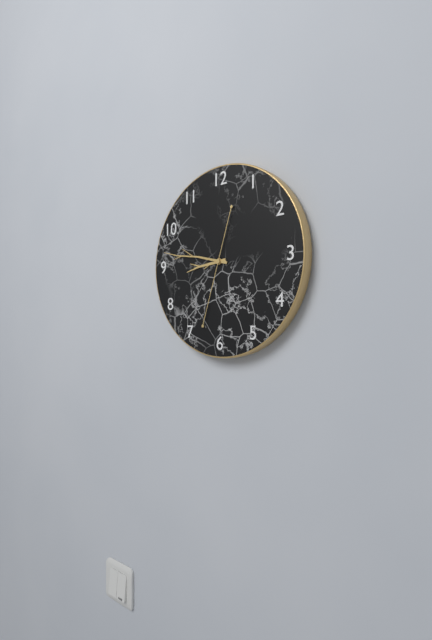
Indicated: 8:47:33
